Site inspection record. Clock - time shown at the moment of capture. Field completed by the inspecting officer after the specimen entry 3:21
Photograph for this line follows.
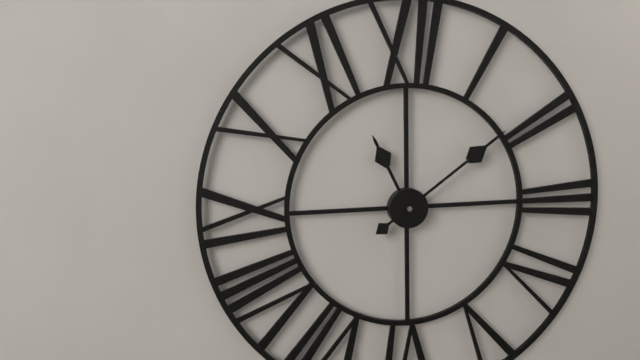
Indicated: 11:09
